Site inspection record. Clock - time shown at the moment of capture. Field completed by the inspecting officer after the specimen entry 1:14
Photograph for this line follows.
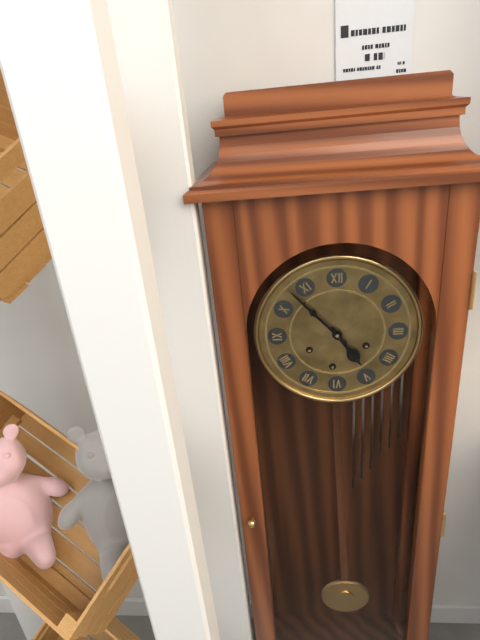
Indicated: 4:53
